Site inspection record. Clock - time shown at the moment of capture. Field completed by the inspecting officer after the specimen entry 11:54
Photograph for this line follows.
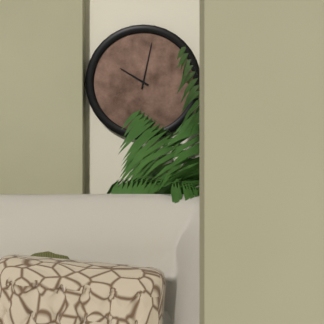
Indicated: 10:02
